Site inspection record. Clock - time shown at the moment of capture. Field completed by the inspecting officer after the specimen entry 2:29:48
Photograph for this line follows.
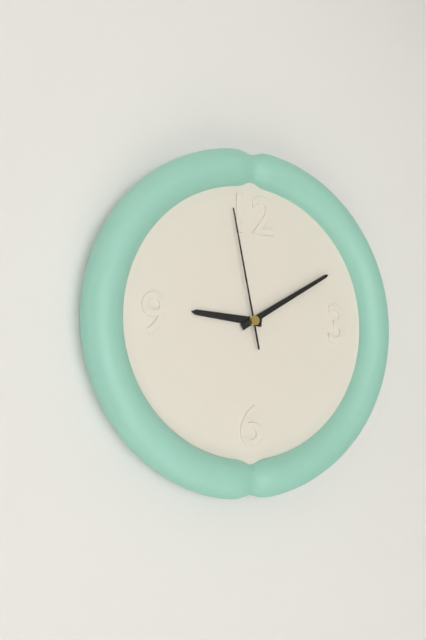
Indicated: 9:10:58
